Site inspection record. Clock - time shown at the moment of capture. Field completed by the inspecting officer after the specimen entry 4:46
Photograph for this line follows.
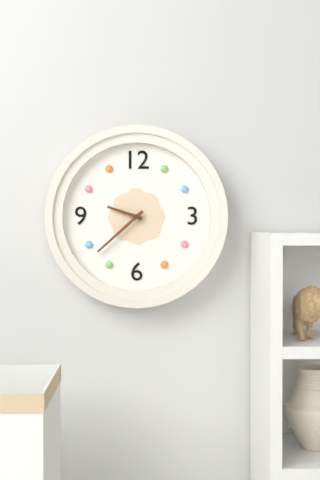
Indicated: 9:38
